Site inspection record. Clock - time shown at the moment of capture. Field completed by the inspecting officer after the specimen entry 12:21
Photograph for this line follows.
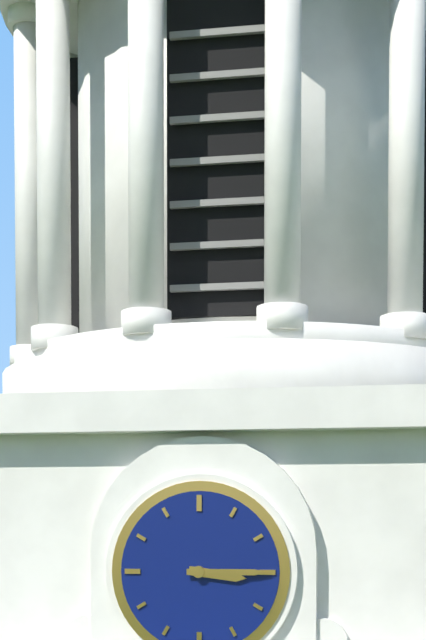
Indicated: 3:15
